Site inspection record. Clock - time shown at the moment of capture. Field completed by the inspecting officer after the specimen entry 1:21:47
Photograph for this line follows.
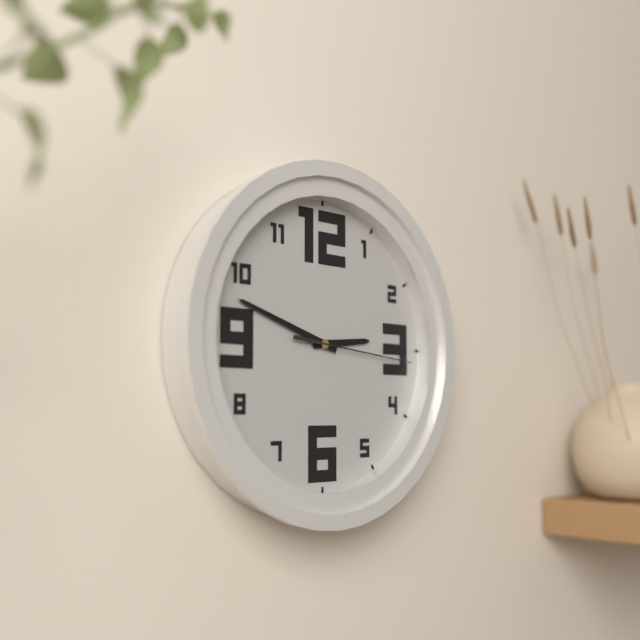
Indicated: 2:48:16
